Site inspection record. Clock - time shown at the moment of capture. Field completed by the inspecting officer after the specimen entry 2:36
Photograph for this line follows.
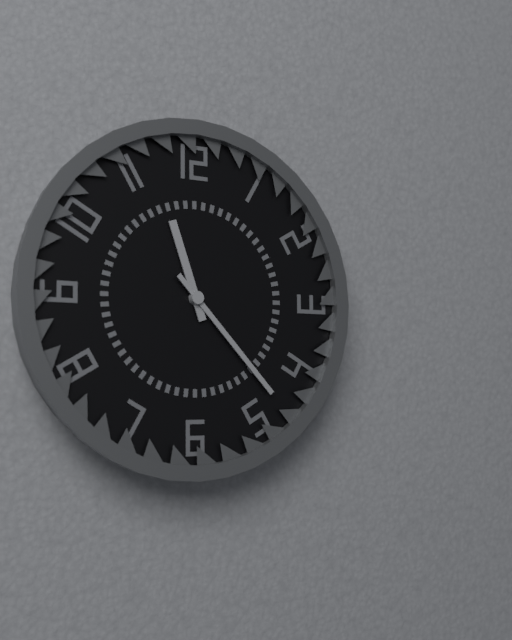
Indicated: 11:23
